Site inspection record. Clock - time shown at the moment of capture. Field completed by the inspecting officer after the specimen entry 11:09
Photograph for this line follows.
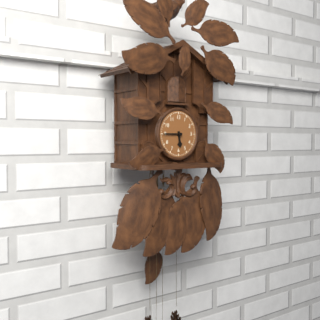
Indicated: 5:45
